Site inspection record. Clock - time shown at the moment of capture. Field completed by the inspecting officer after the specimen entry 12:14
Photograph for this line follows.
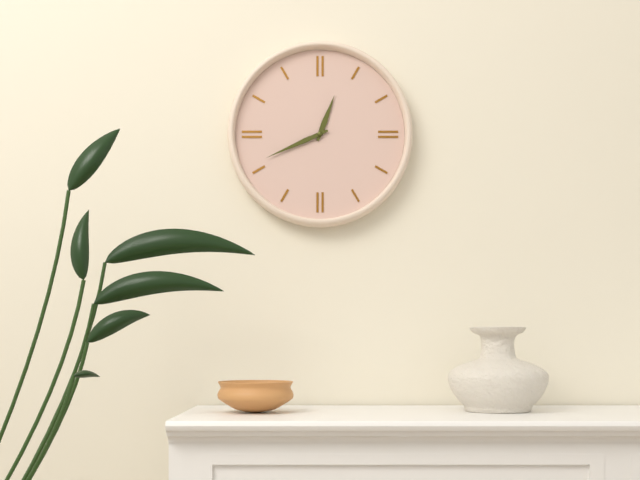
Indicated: 12:41
